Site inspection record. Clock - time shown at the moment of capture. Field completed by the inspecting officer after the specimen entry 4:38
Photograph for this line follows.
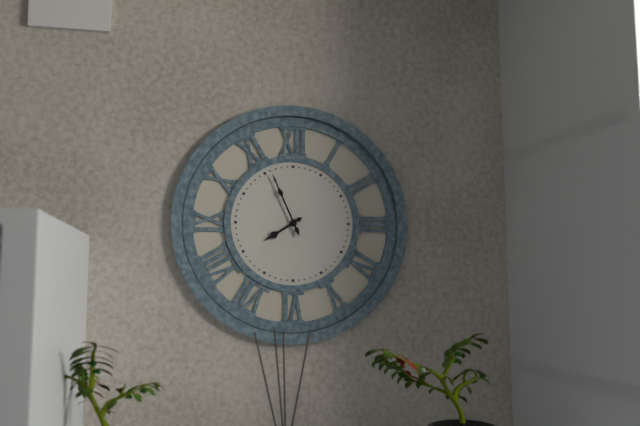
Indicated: 7:56
